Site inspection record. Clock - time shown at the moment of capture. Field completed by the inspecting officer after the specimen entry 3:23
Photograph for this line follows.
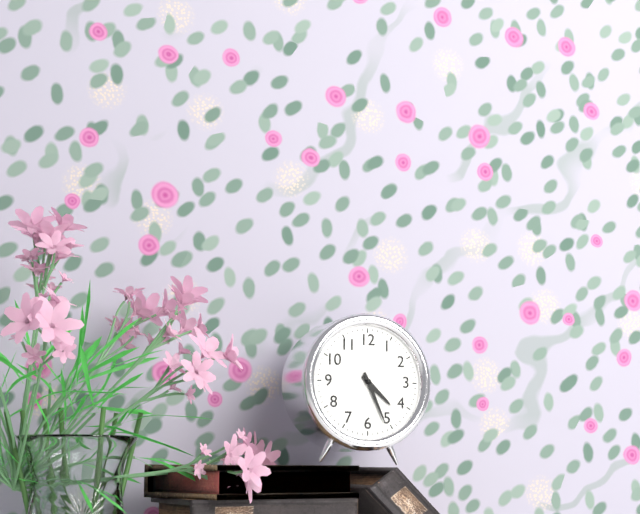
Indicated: 4:26
